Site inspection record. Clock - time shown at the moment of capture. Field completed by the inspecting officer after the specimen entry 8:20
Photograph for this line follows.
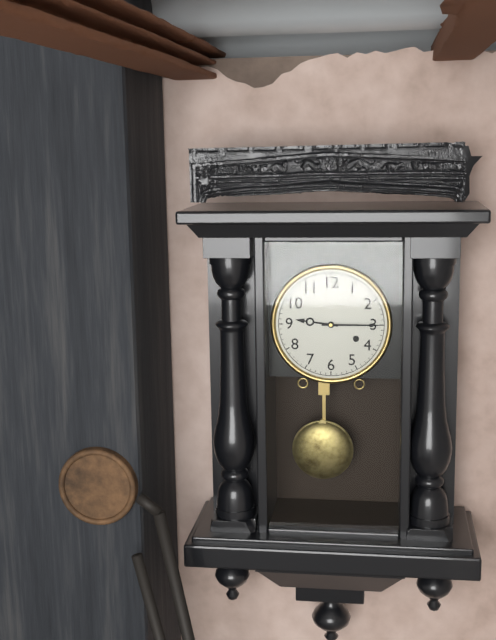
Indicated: 9:15
